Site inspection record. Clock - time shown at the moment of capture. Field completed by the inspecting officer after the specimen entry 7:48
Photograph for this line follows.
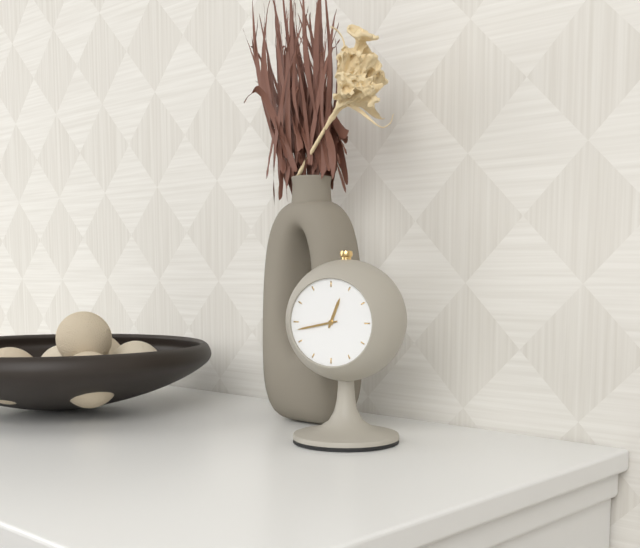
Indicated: 12:43
